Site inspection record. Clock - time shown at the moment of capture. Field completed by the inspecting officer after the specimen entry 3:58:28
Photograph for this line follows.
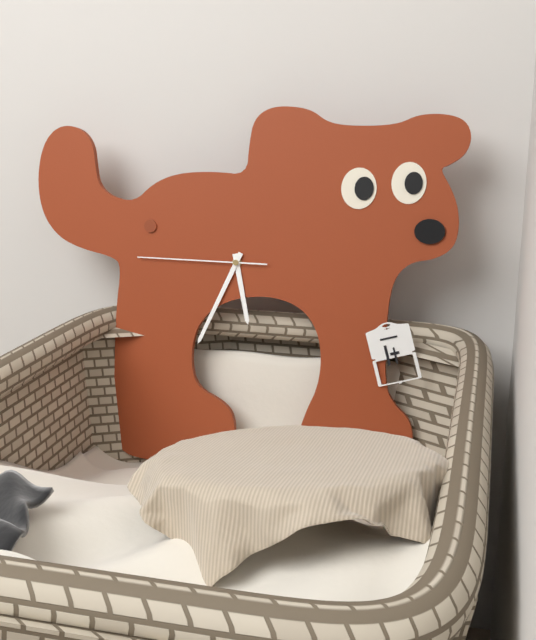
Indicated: 5:34:45
